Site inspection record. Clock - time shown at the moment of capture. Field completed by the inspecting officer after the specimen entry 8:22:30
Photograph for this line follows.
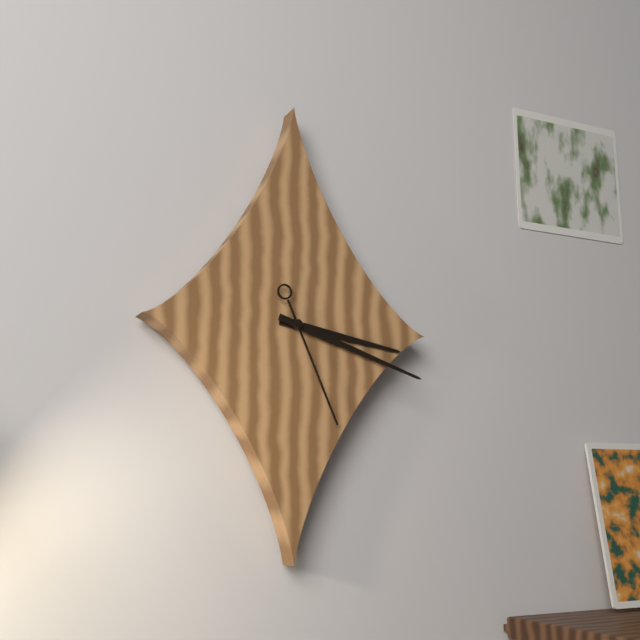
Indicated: 3:18:26
